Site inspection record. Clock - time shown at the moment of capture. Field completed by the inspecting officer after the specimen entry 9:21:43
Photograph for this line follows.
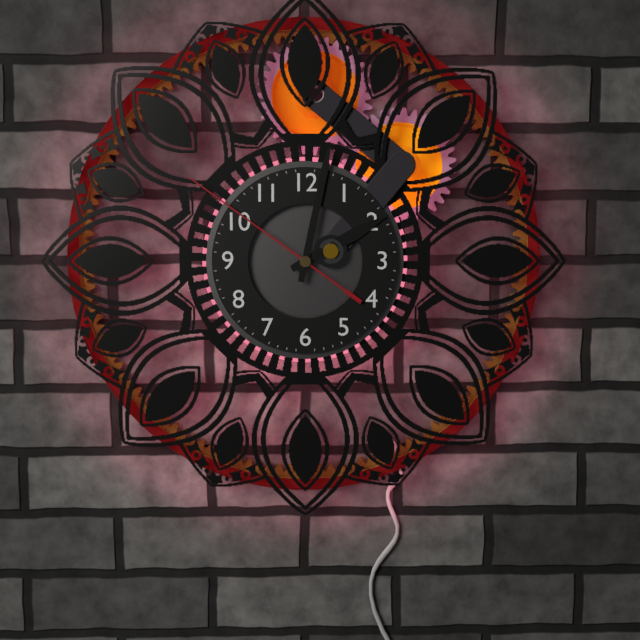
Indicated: 2:02:51
